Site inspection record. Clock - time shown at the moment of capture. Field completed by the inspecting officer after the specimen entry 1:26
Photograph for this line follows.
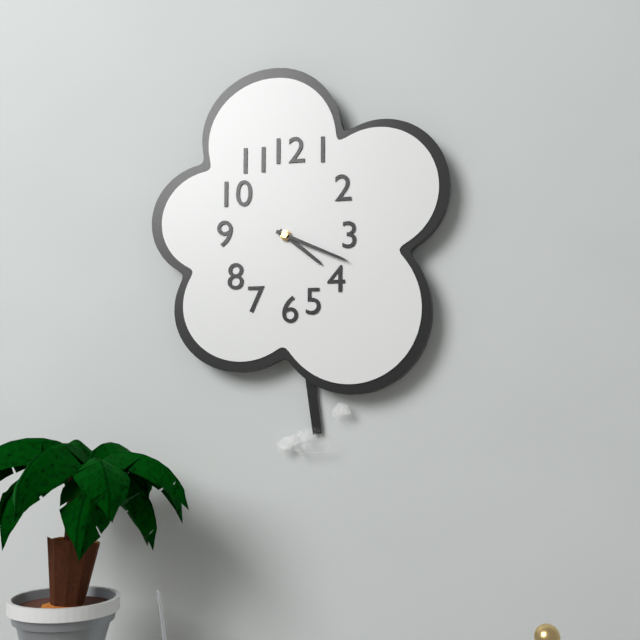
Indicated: 4:19
